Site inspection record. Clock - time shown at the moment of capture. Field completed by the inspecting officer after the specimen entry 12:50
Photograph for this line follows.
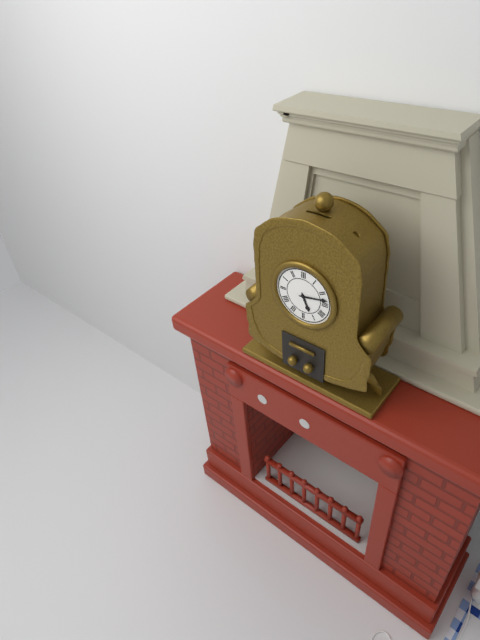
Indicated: 5:13
